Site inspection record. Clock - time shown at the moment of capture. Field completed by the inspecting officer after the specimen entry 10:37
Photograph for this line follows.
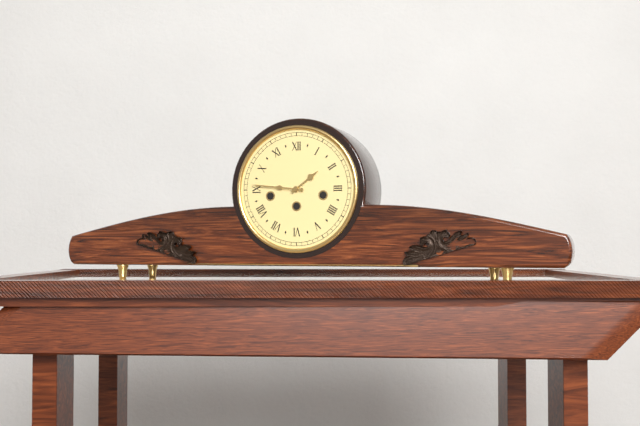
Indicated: 1:46
